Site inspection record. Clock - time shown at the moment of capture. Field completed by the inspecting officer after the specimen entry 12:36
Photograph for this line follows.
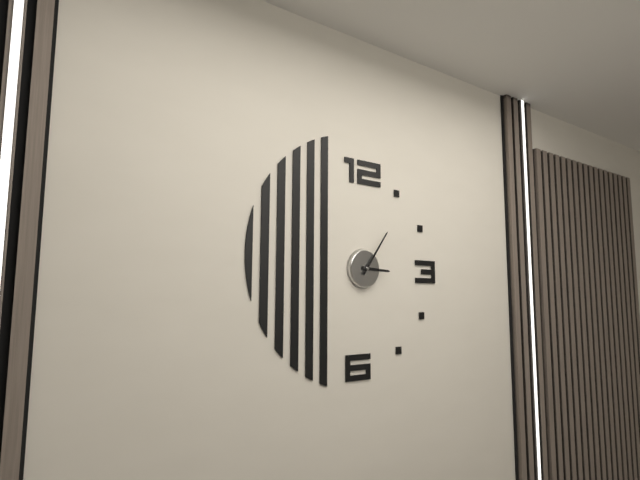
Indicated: 3:06
